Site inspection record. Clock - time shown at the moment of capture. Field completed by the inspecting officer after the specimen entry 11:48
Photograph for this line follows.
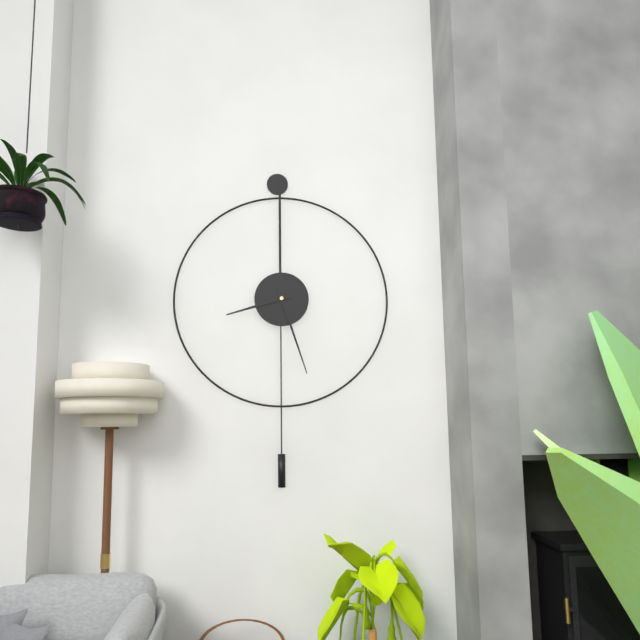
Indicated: 8:27
